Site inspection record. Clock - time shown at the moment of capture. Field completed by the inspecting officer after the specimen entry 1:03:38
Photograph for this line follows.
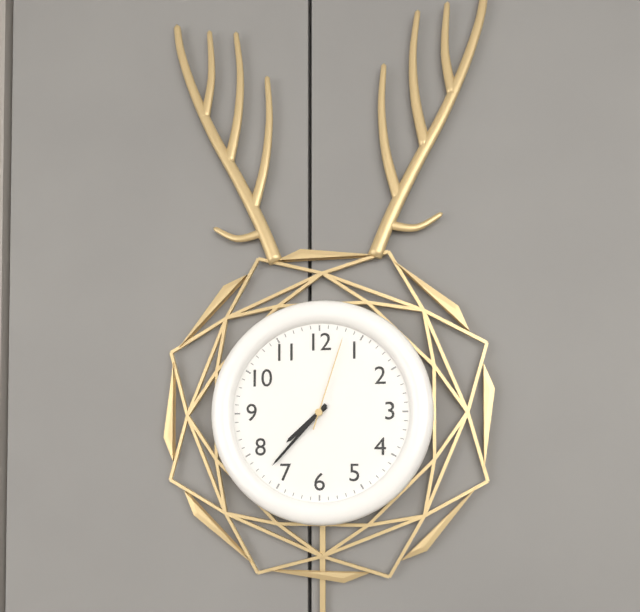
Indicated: 7:37:03
